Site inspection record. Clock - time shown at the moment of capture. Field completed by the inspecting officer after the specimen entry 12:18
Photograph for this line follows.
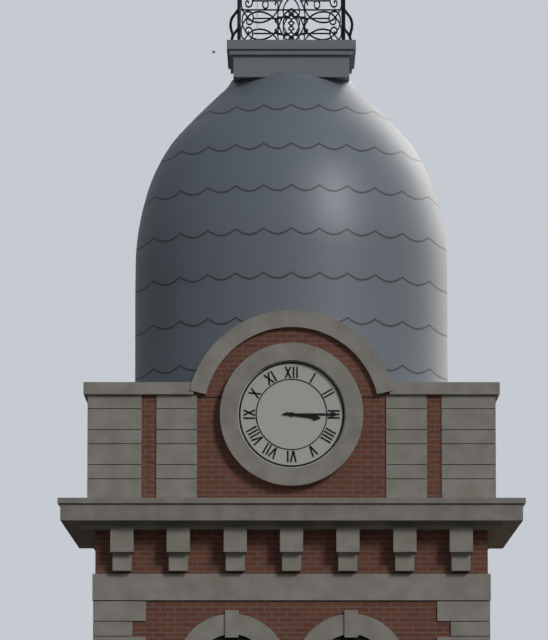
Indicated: 3:15
